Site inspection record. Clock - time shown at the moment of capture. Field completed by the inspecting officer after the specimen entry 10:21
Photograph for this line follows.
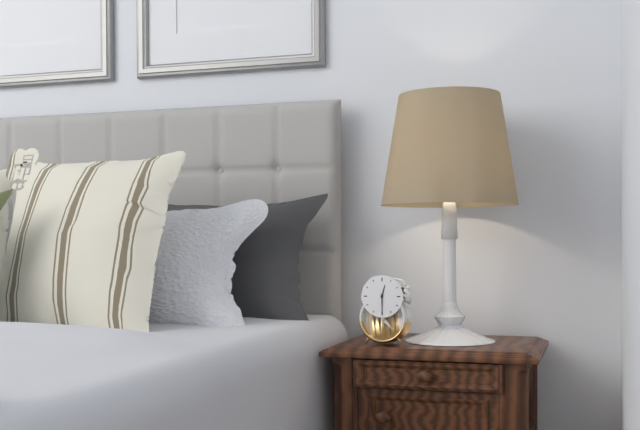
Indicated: 12:30
